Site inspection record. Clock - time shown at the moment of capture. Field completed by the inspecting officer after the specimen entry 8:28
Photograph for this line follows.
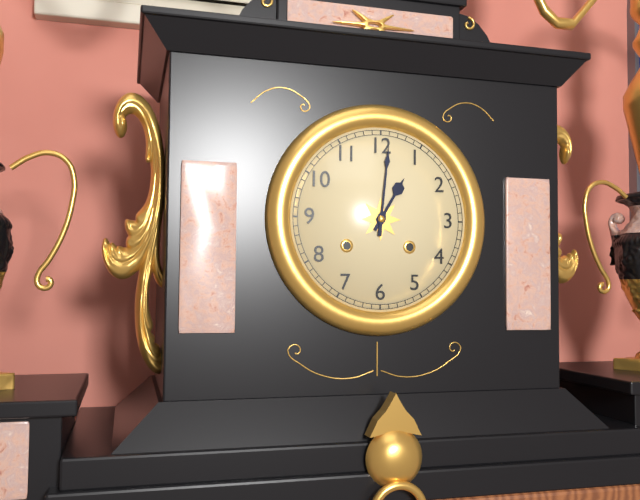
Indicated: 1:01
